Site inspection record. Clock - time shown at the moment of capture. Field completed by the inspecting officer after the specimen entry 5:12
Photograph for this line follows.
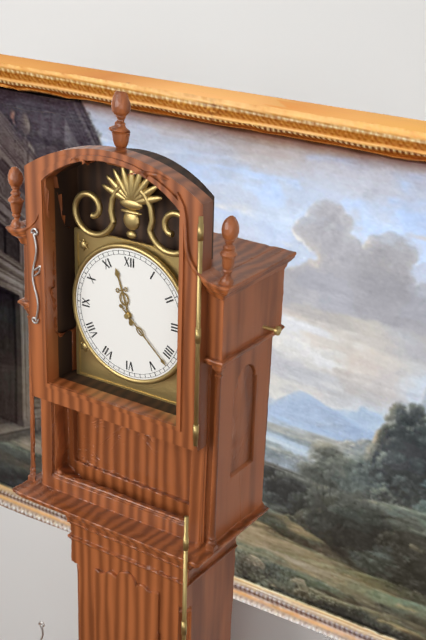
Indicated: 11:22
